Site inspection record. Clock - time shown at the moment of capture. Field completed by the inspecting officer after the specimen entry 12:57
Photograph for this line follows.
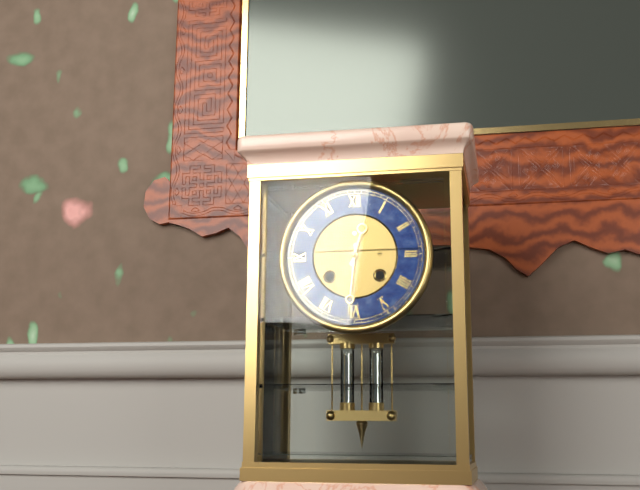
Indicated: 12:31
